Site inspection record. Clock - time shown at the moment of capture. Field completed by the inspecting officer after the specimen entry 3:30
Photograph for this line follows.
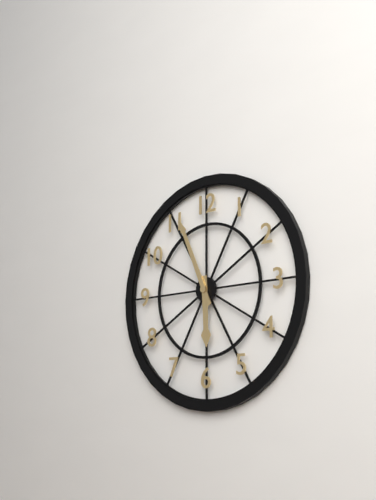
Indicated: 5:56
